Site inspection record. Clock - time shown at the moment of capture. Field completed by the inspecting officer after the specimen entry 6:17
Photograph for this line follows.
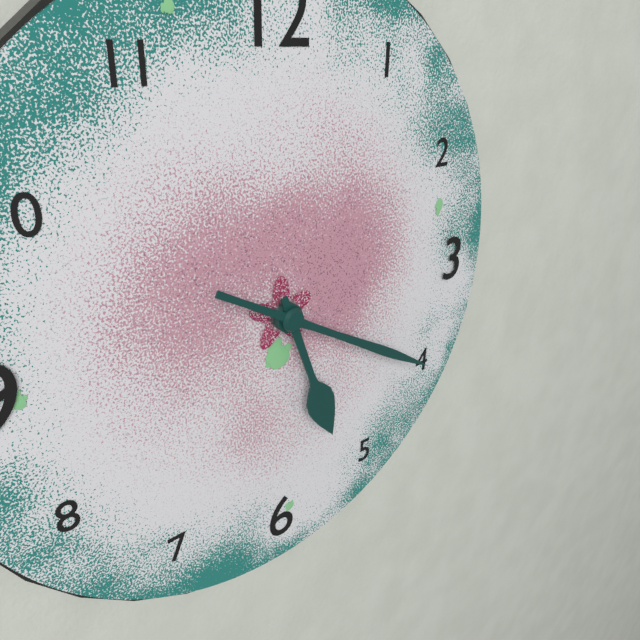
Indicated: 5:20
